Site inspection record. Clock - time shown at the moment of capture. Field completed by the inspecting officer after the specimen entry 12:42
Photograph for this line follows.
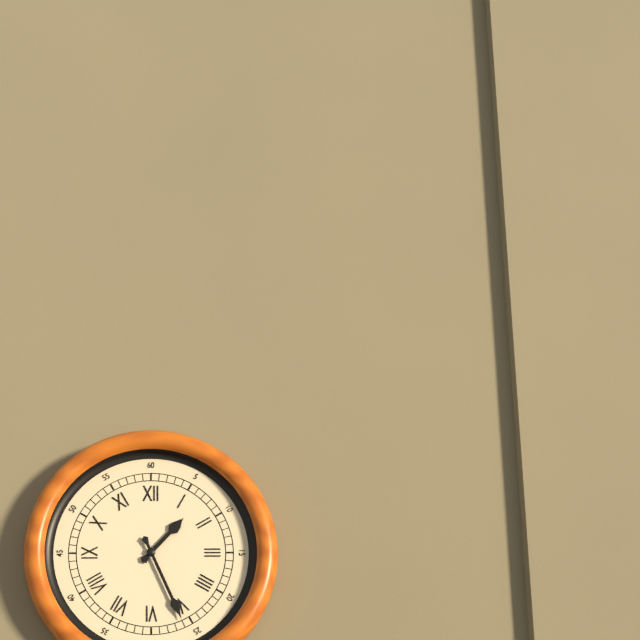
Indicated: 1:26
